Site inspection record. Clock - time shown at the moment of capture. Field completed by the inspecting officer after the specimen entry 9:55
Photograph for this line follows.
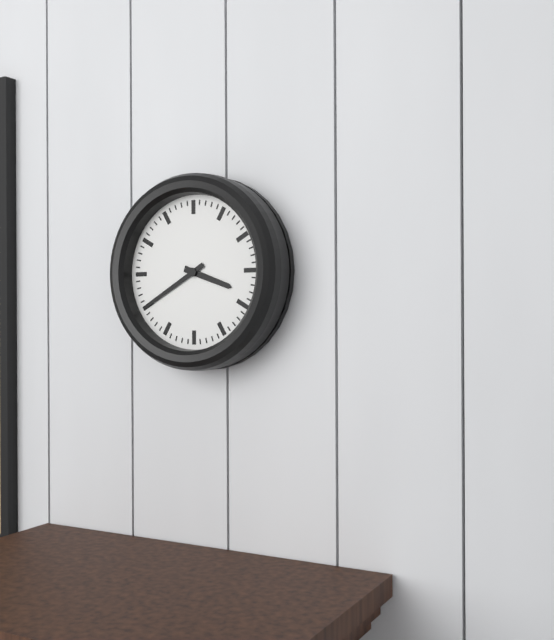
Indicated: 3:40
